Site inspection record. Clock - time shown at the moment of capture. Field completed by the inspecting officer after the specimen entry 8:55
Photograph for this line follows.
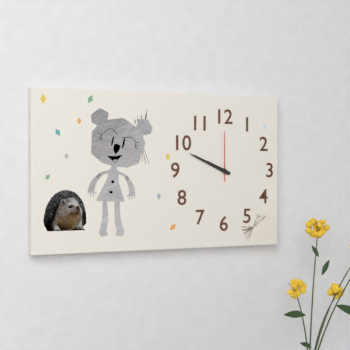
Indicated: 9:49
